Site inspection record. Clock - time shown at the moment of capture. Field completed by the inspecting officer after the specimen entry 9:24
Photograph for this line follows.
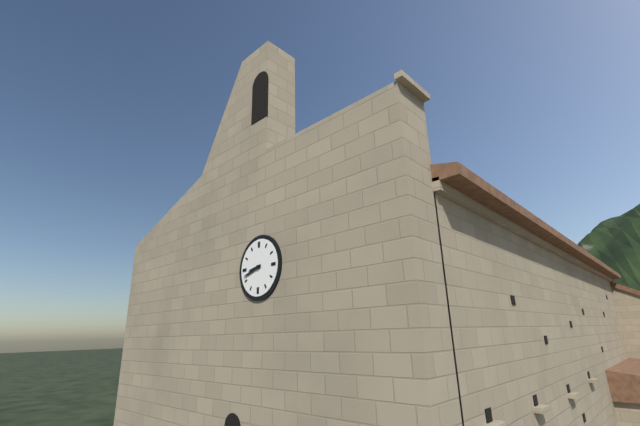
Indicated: 8:42
